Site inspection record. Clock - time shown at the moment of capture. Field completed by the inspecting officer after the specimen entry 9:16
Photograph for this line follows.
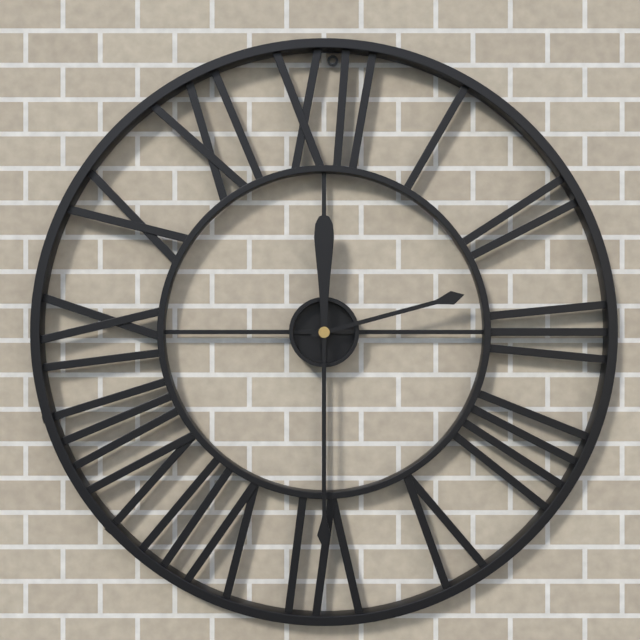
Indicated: 2:30
